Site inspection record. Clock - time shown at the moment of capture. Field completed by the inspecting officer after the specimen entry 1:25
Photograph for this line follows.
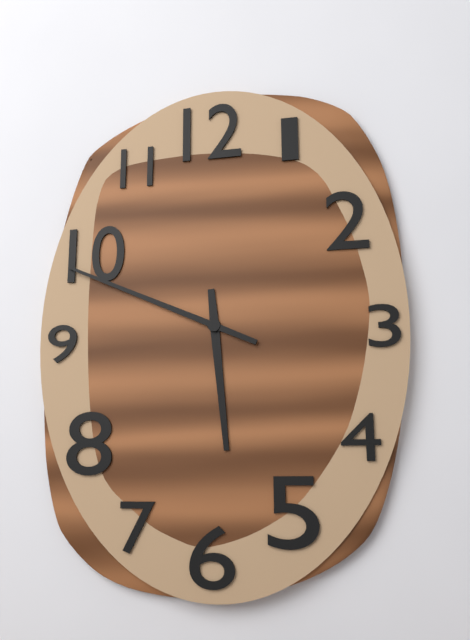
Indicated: 5:49
